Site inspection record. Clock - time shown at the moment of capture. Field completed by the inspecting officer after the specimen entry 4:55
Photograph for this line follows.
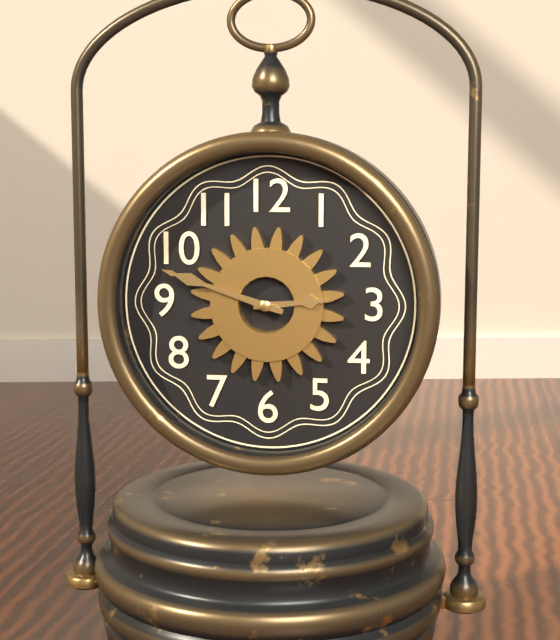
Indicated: 2:48
